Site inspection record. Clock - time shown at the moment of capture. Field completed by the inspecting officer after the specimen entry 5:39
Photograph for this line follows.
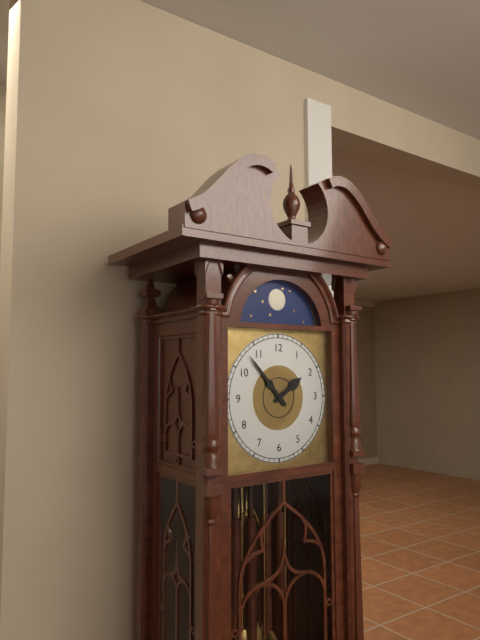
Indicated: 1:53
